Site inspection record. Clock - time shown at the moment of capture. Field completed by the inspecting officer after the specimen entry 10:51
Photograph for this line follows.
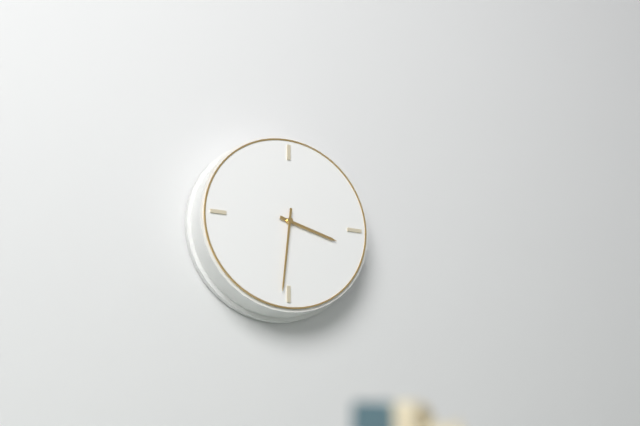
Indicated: 3:31
